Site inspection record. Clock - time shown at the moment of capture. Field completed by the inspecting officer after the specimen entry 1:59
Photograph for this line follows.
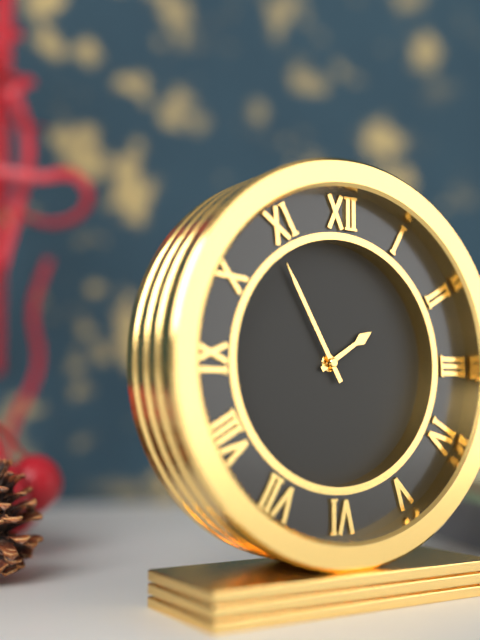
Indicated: 1:55
